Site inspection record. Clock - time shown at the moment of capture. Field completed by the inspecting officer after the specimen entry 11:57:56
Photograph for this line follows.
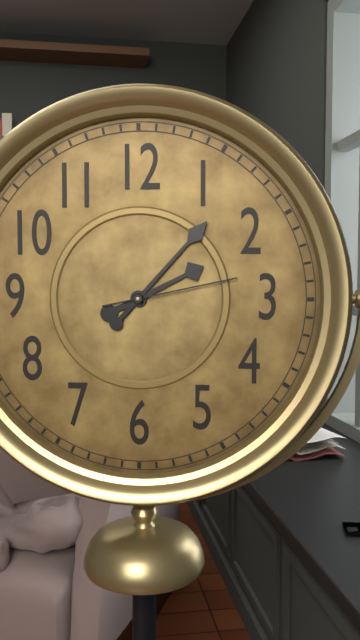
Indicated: 2:07:13
